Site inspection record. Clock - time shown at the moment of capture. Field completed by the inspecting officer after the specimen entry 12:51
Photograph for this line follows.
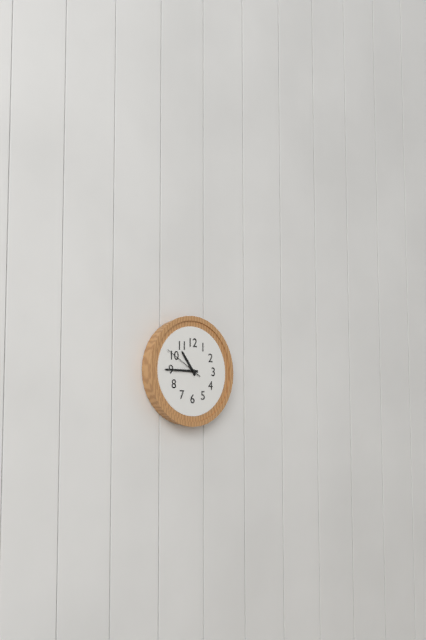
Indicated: 10:45
